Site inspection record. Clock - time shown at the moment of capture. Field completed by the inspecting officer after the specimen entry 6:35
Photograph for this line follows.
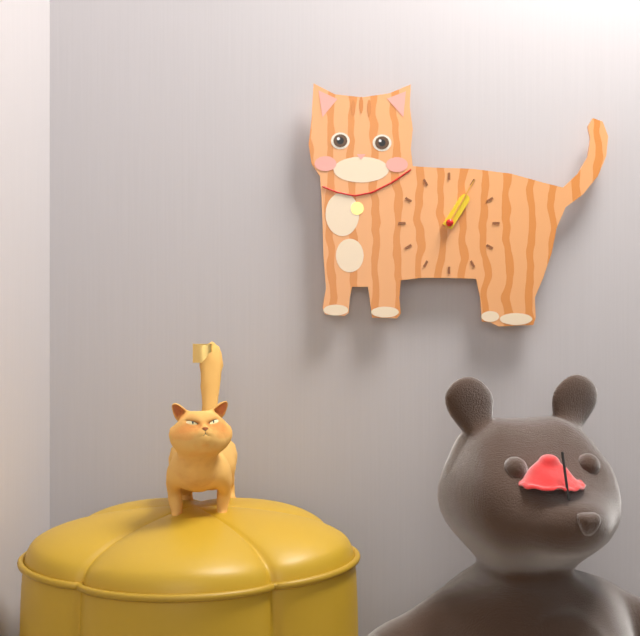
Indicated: 1:05
